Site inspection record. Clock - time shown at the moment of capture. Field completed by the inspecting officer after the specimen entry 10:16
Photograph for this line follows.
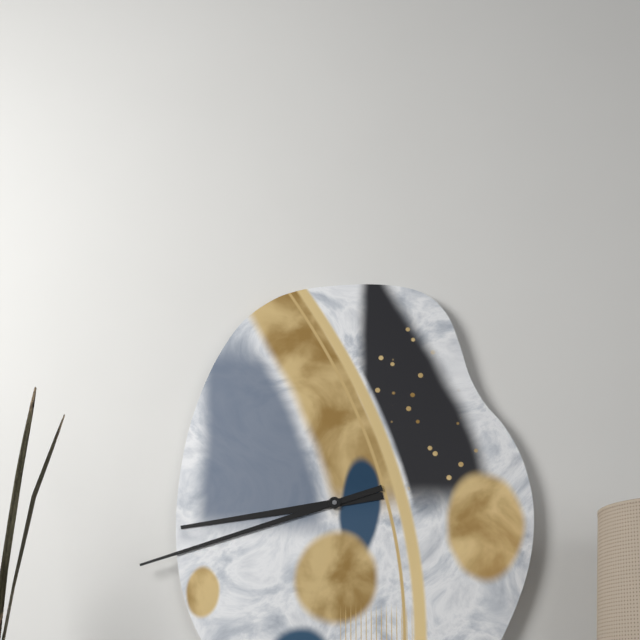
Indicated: 8:42
